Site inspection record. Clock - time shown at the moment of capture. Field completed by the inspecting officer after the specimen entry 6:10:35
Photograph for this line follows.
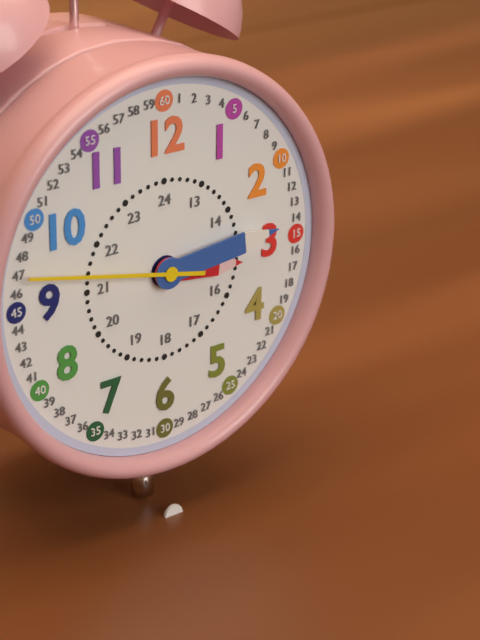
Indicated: 3:14:47
